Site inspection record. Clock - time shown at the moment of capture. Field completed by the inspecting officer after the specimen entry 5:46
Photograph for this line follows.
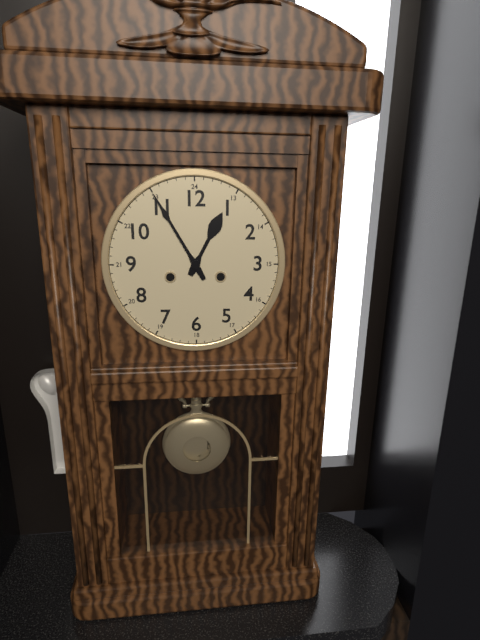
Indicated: 12:55
